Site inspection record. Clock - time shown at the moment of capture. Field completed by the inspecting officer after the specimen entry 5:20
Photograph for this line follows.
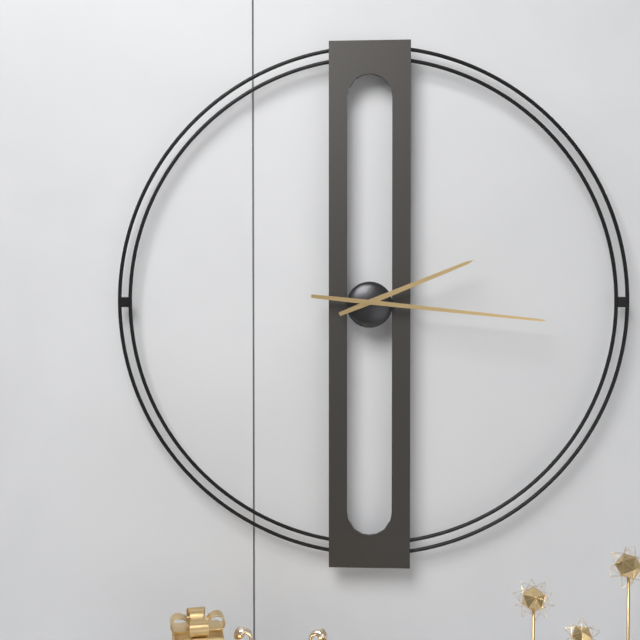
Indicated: 2:16
